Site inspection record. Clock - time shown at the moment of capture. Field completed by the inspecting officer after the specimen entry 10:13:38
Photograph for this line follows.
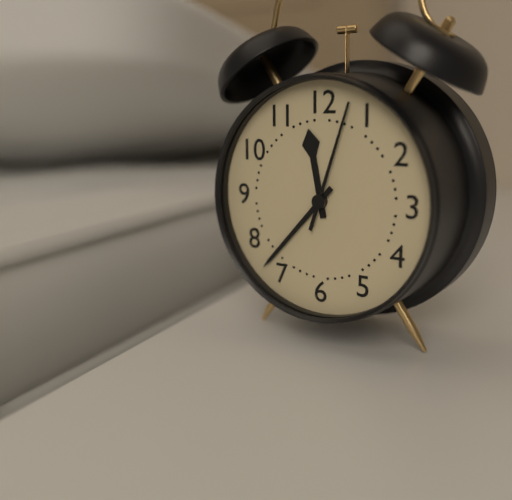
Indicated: 11:37:03
